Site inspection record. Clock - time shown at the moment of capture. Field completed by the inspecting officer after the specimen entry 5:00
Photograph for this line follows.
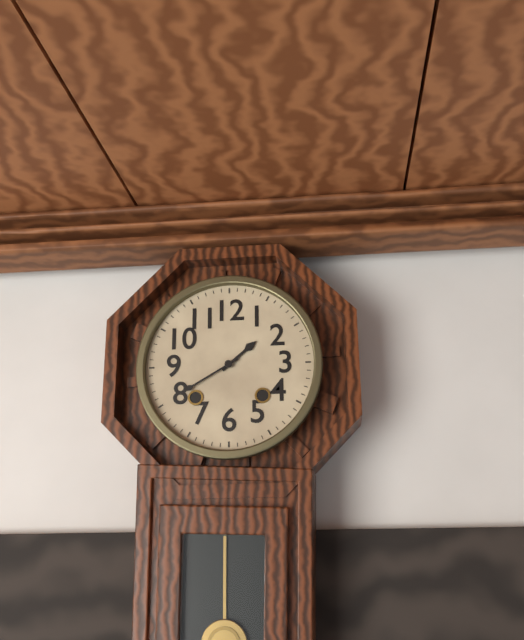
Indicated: 1:40
